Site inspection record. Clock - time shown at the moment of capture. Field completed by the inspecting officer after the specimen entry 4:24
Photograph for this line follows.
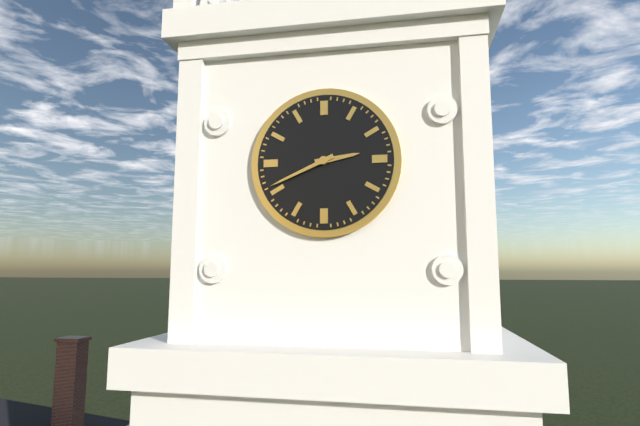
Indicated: 2:41
